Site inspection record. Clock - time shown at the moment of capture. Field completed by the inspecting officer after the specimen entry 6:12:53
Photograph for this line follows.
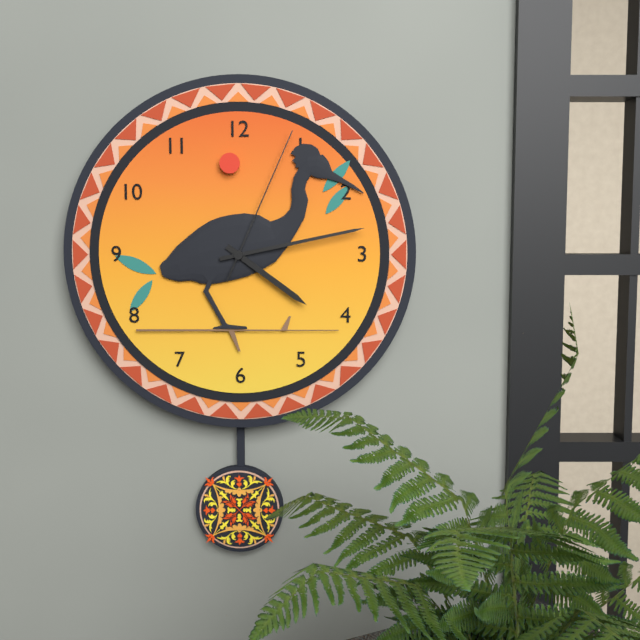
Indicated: 4:13:04
